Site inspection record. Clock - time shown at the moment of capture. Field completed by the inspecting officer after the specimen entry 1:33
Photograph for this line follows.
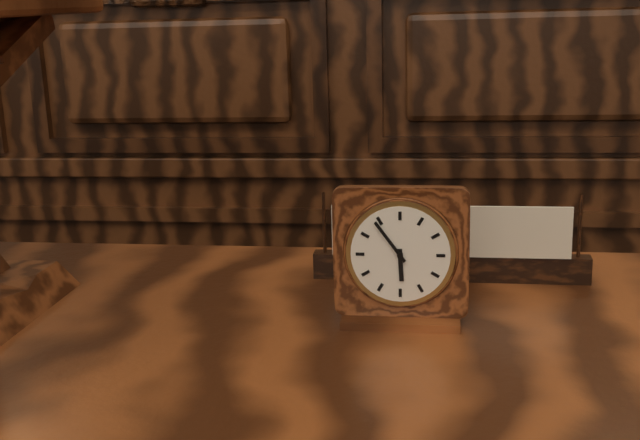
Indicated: 5:54
